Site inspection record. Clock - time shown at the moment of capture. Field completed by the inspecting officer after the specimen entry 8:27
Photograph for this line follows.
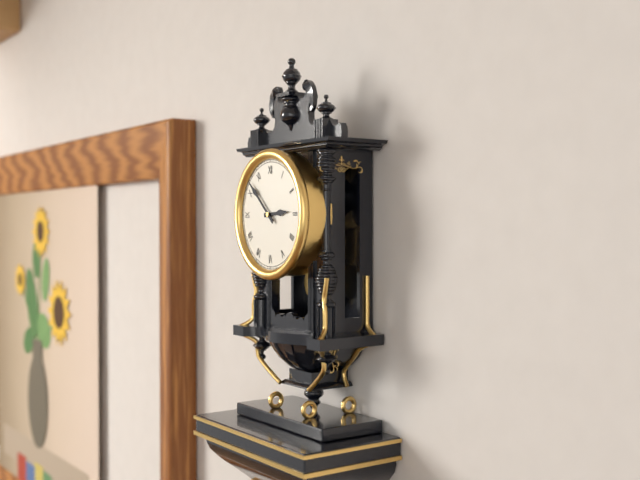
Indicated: 2:52
